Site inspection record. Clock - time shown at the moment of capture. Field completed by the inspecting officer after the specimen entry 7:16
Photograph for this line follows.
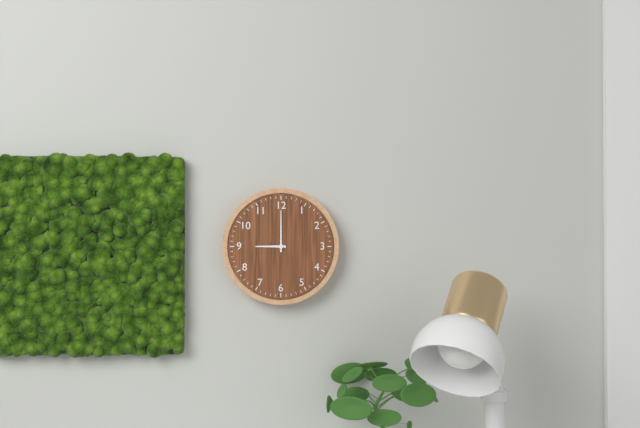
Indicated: 9:00
